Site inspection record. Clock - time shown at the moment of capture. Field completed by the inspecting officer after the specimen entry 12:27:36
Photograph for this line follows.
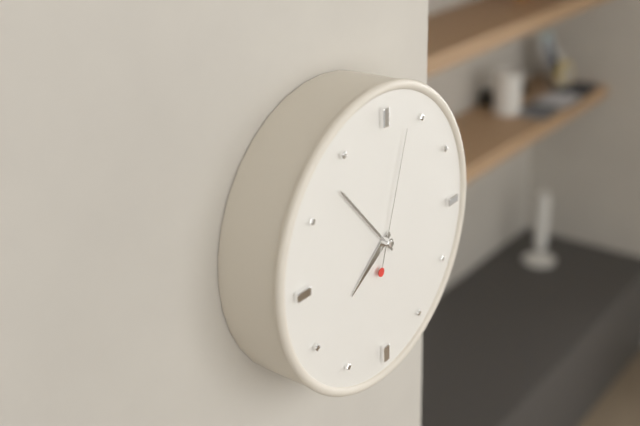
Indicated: 7:53:03
